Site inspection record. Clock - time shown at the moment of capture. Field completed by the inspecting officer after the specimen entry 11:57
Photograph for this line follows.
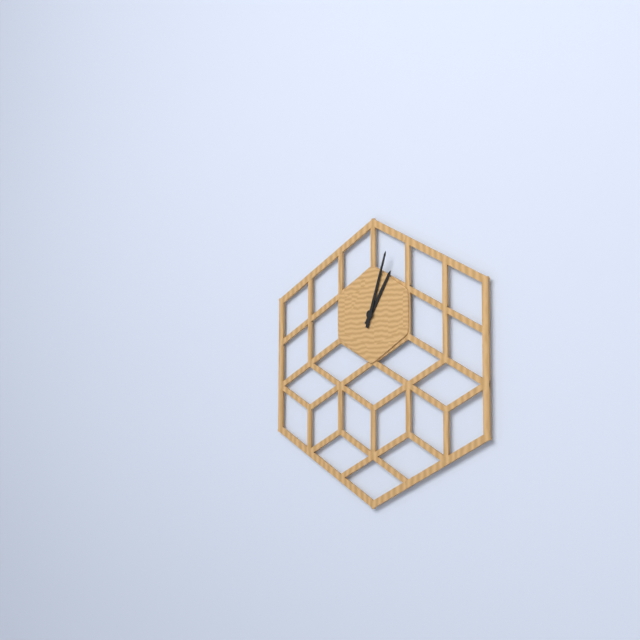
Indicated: 1:03
